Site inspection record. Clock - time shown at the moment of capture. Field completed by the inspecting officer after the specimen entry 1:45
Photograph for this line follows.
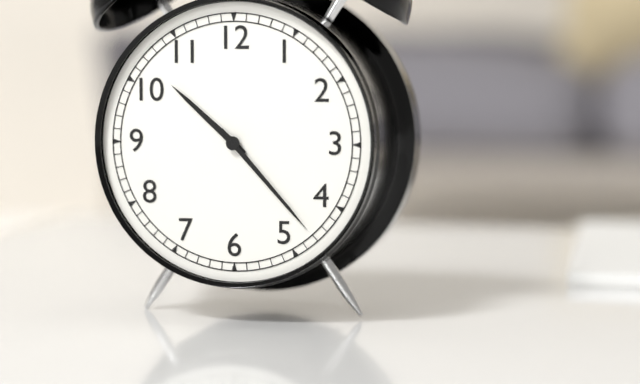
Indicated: 10:23
